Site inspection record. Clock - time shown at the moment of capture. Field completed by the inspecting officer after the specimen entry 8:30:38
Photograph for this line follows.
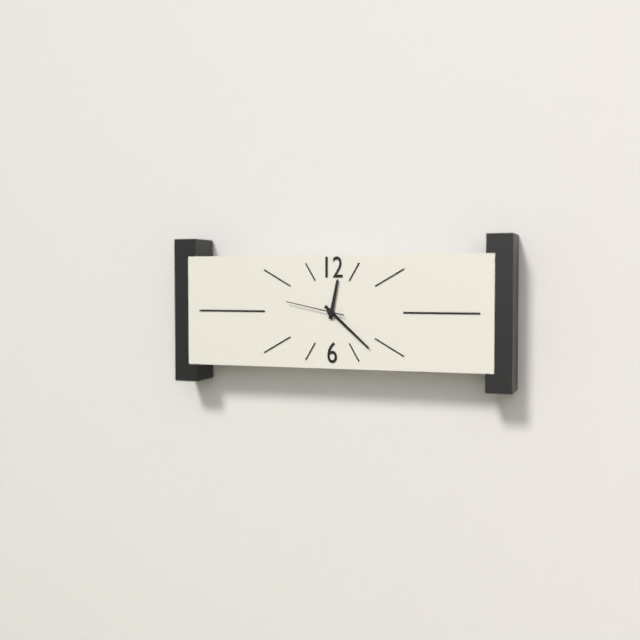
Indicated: 12:22:47
